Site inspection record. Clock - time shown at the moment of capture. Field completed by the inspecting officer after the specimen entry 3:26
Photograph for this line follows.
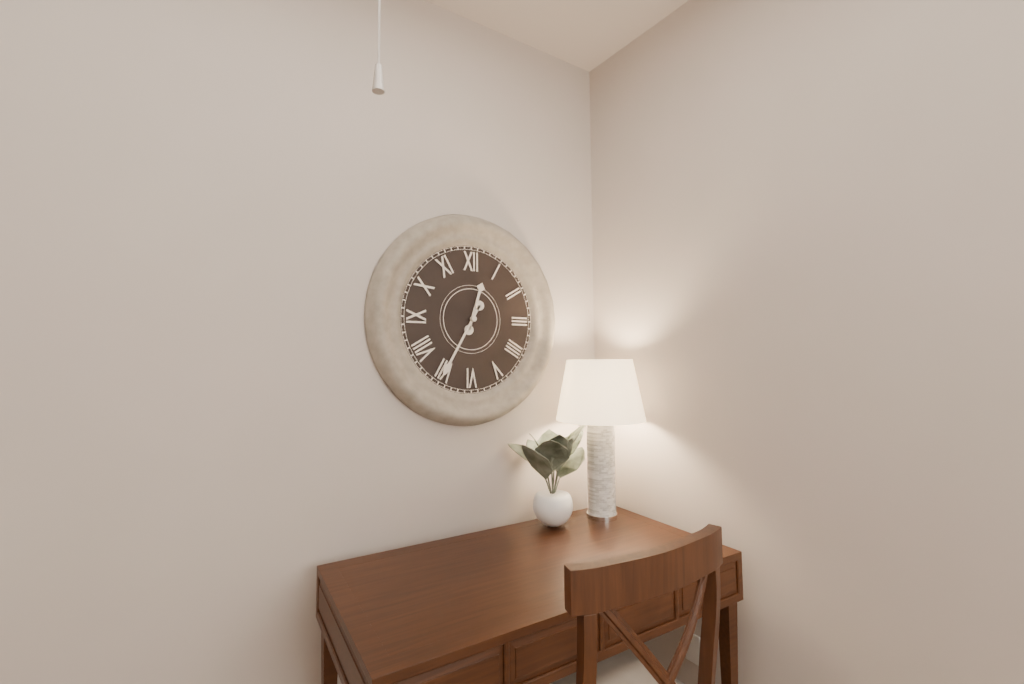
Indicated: 12:35
